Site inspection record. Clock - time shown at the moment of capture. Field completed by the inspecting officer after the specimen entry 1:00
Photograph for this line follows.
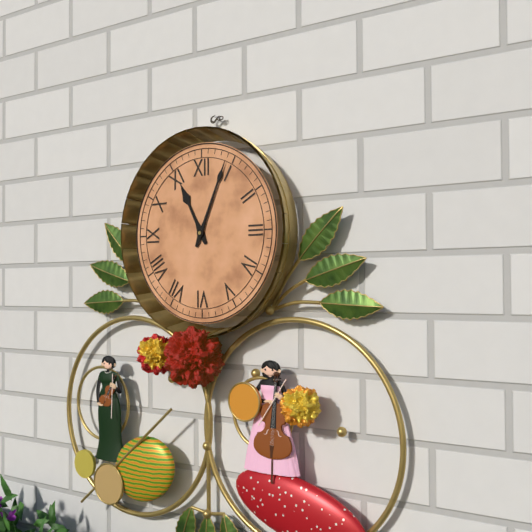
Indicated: 11:04
